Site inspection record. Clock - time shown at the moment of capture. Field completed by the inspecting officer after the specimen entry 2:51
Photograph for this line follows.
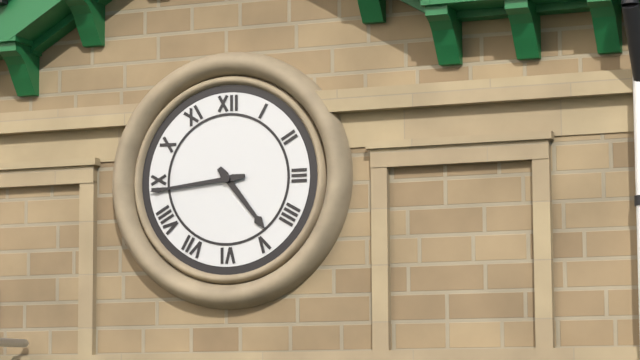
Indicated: 4:44
